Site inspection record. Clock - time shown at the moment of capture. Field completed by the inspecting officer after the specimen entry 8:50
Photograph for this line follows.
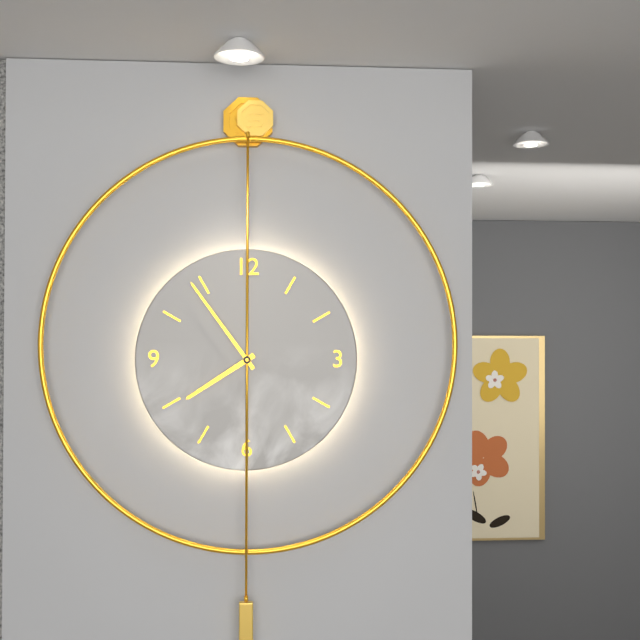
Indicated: 7:54
